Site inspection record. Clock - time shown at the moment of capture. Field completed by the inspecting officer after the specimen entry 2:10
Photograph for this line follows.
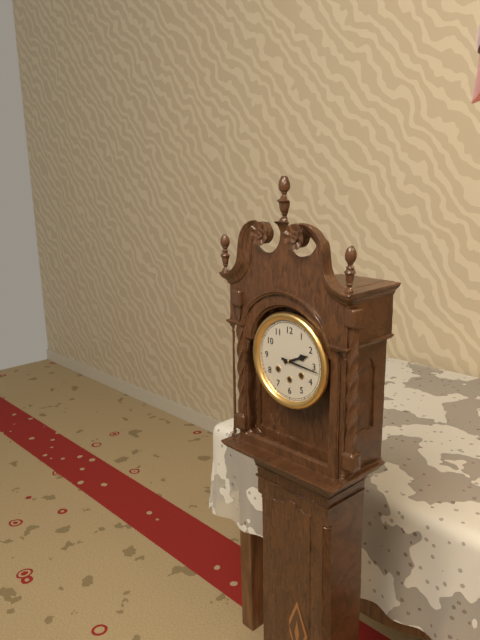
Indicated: 2:16
